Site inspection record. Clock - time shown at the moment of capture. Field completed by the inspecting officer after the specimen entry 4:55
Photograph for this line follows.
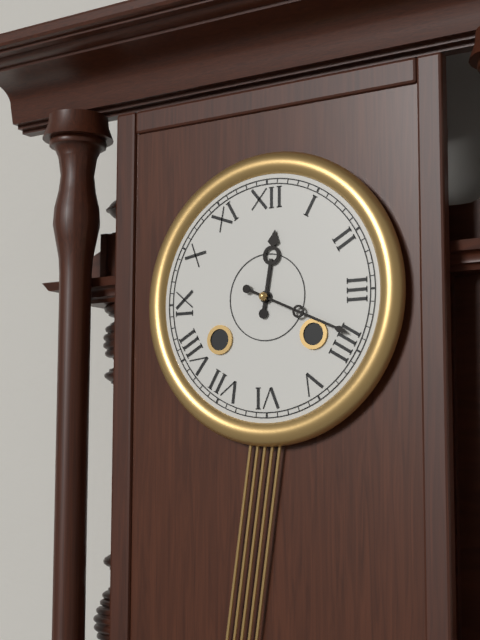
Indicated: 12:19
